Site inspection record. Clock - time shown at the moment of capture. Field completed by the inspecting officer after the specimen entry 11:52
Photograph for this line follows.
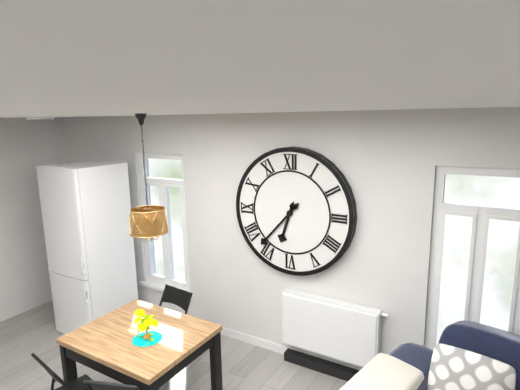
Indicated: 6:37
